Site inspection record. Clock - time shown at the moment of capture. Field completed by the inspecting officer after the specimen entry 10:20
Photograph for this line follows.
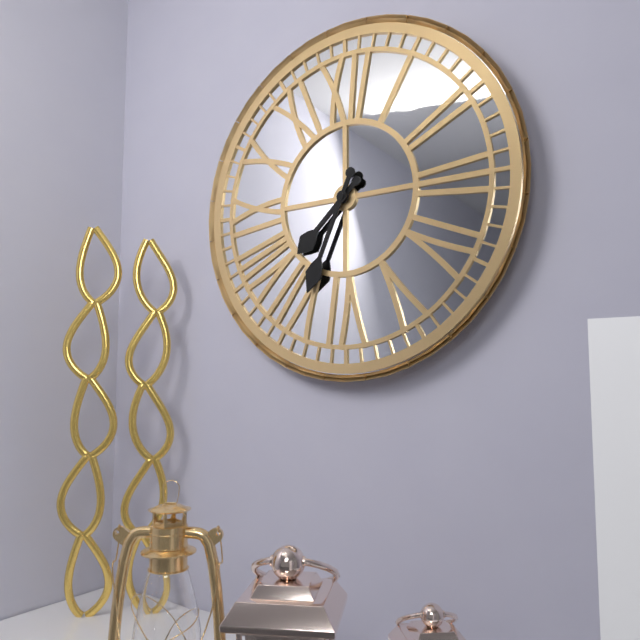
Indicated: 7:34
